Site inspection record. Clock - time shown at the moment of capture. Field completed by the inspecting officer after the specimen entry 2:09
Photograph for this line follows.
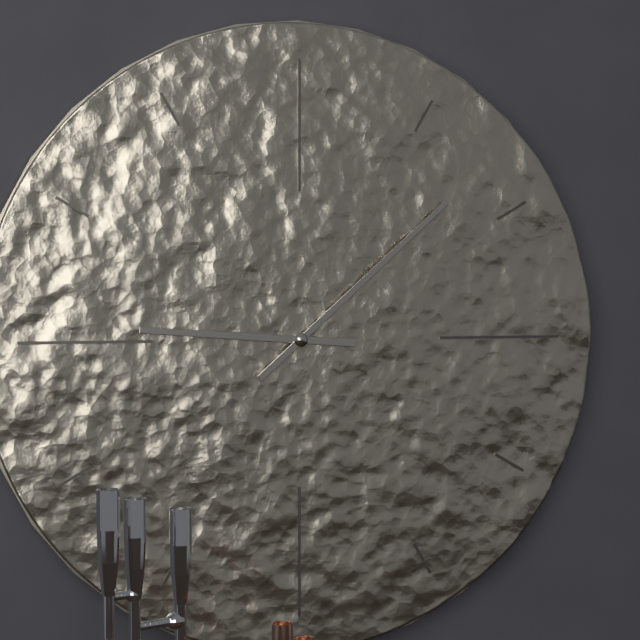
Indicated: 9:08
